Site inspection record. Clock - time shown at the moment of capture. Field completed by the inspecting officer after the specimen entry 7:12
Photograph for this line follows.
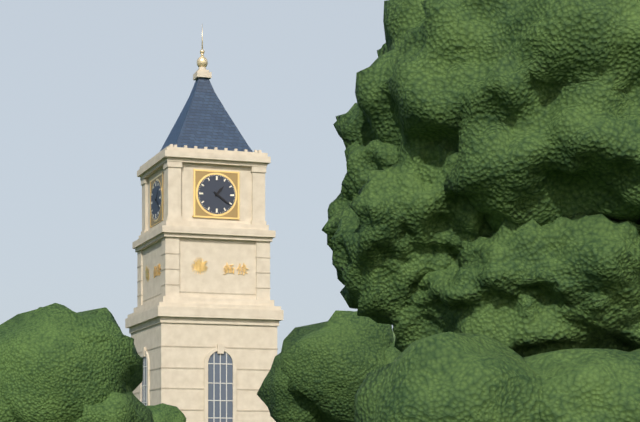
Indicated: 1:21
